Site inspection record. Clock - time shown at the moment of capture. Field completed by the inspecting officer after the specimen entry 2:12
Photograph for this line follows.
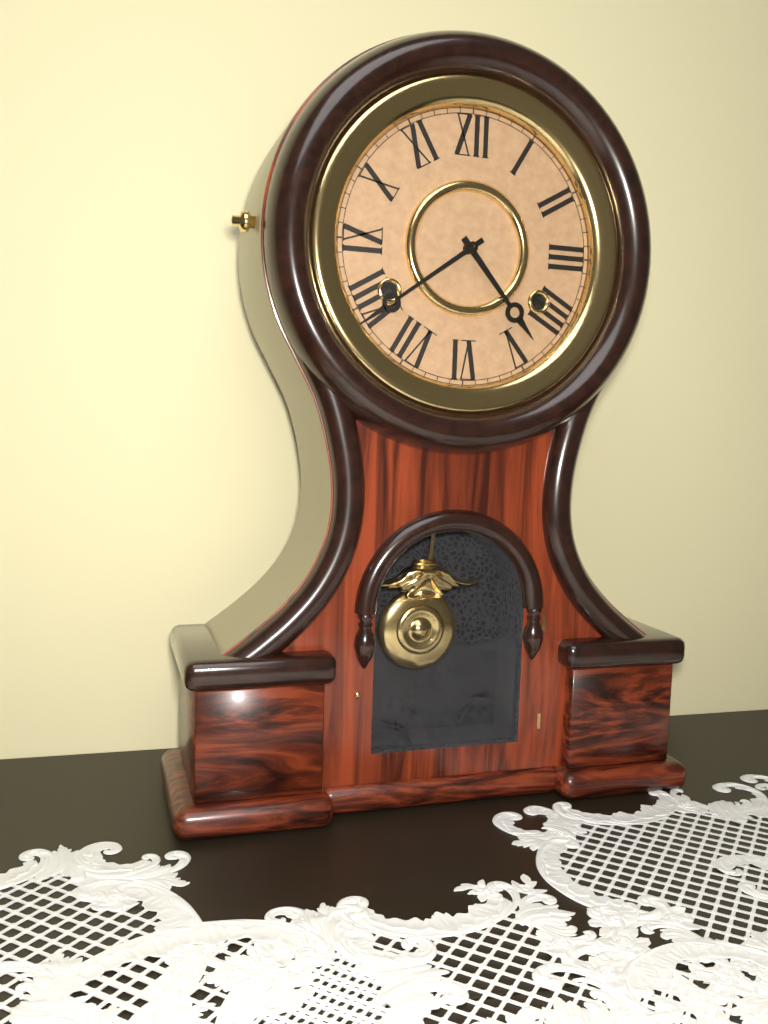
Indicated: 4:39
